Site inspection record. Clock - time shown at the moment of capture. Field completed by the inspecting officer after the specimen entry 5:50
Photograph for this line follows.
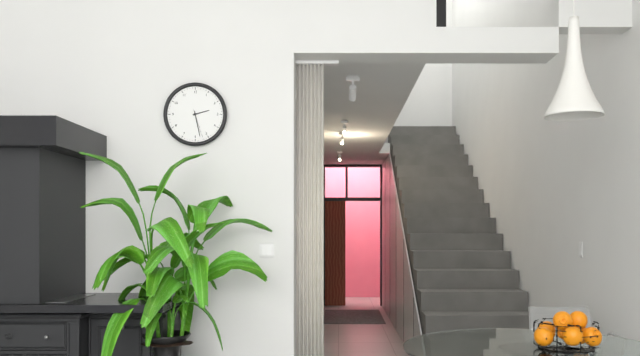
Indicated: 2:28
